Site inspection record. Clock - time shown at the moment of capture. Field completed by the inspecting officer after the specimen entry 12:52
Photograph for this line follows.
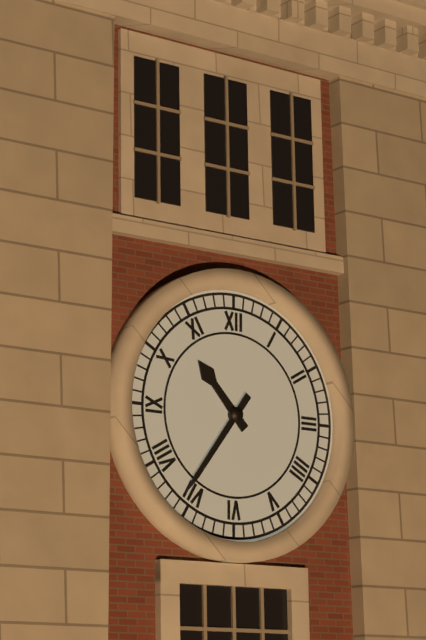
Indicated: 10:36
